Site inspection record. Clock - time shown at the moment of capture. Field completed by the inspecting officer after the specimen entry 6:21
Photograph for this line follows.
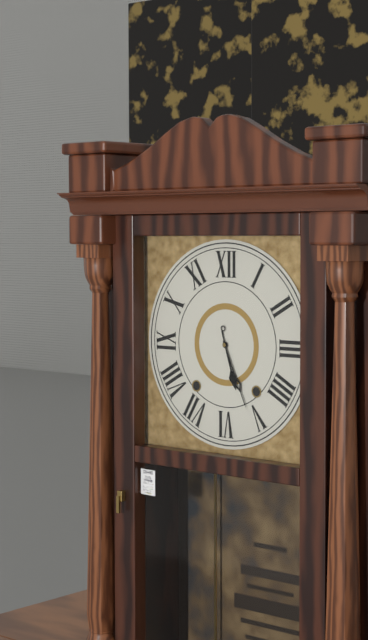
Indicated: 5:26
